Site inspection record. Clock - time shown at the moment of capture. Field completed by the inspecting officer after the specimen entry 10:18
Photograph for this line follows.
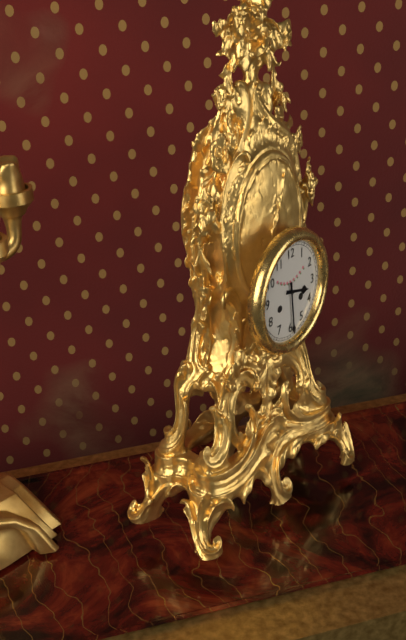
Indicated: 3:29
